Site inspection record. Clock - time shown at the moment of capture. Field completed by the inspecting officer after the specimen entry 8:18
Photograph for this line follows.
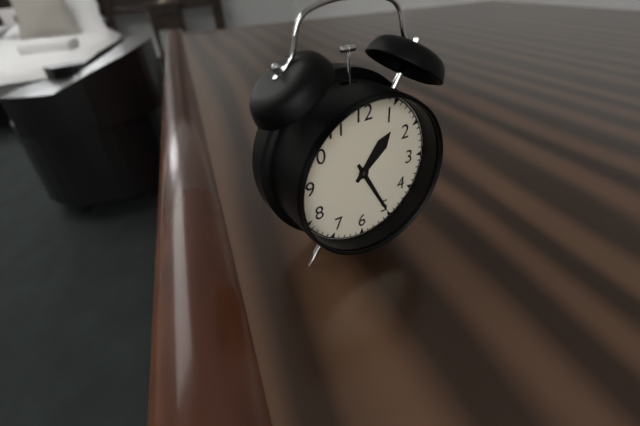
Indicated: 1:25
